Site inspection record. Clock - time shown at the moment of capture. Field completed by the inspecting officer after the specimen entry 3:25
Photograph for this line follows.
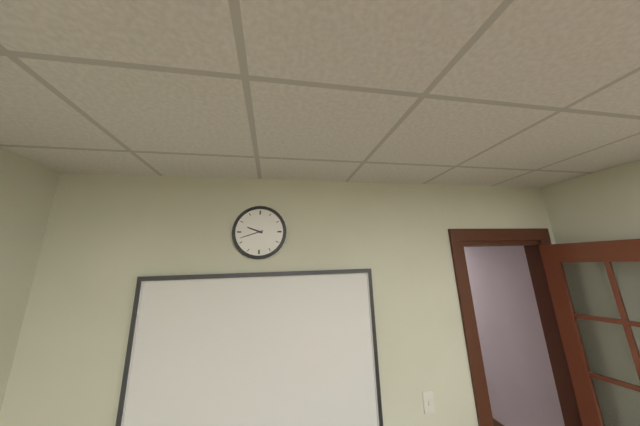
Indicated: 9:42
